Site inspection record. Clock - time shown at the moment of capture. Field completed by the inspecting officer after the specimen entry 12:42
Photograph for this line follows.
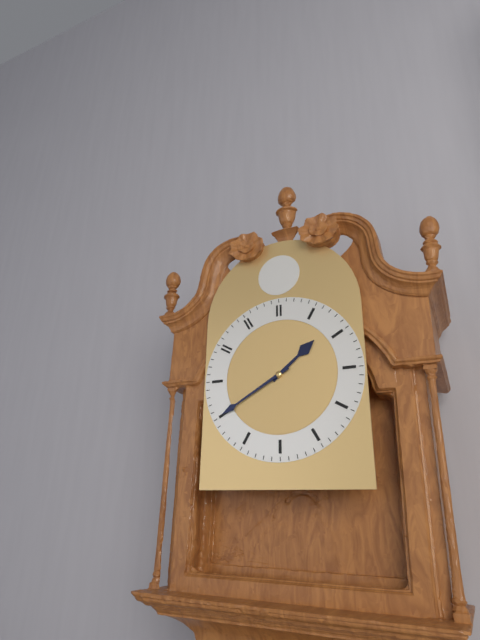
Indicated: 1:40
